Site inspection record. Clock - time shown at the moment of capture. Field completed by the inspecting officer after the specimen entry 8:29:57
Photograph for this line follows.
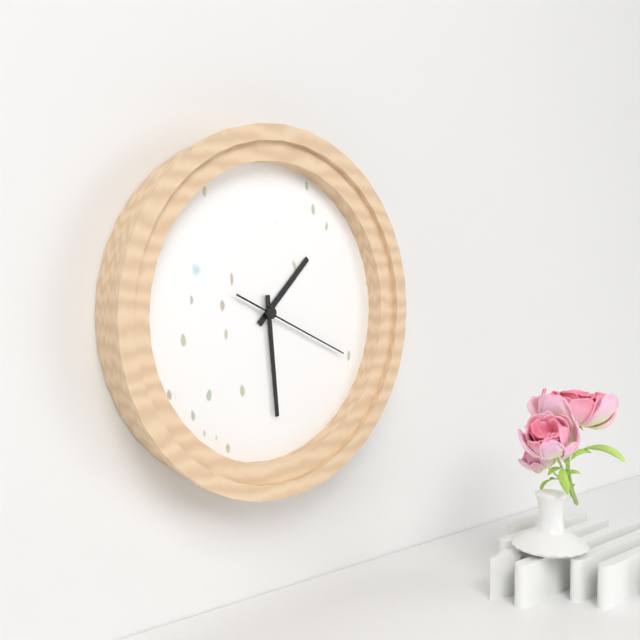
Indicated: 1:29:19
